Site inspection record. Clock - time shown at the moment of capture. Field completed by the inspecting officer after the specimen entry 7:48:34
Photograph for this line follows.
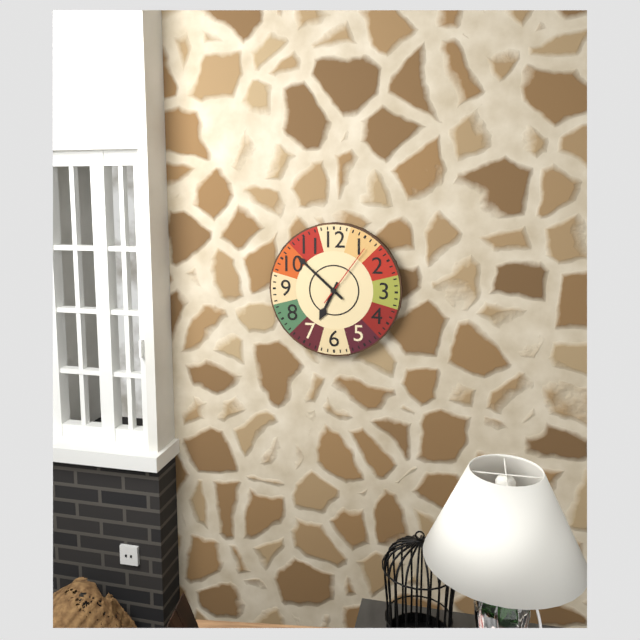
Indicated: 6:52:06
